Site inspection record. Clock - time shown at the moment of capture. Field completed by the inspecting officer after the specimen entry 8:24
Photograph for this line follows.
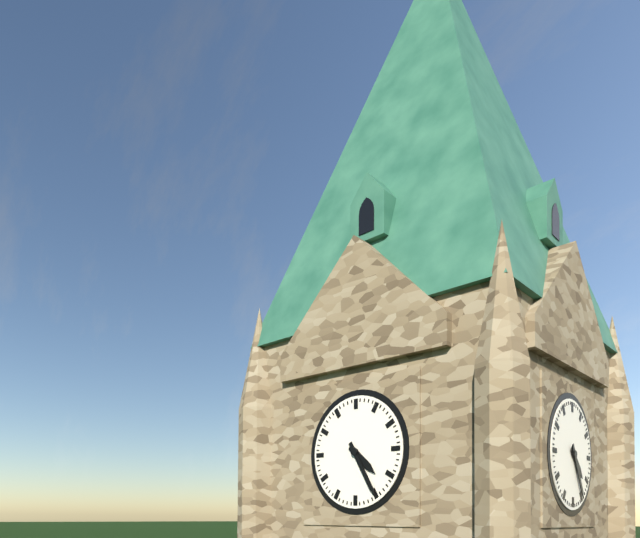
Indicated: 4:25
